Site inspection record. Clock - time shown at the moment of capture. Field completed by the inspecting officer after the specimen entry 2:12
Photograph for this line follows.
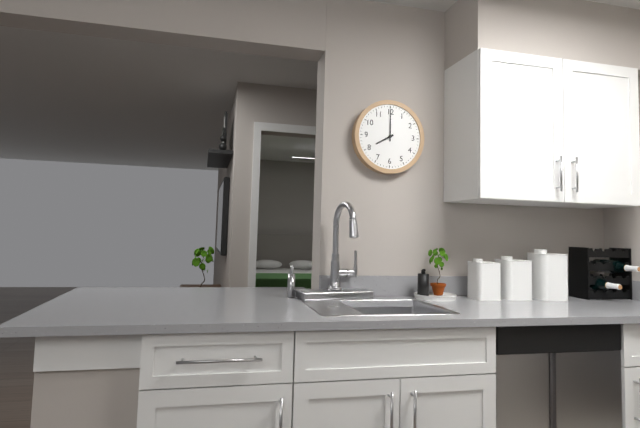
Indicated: 8:00
